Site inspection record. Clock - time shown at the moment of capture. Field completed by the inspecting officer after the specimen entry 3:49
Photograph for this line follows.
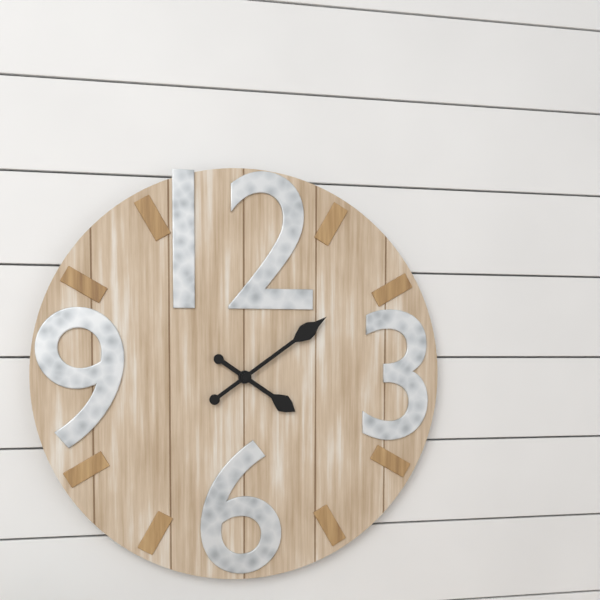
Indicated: 4:09
